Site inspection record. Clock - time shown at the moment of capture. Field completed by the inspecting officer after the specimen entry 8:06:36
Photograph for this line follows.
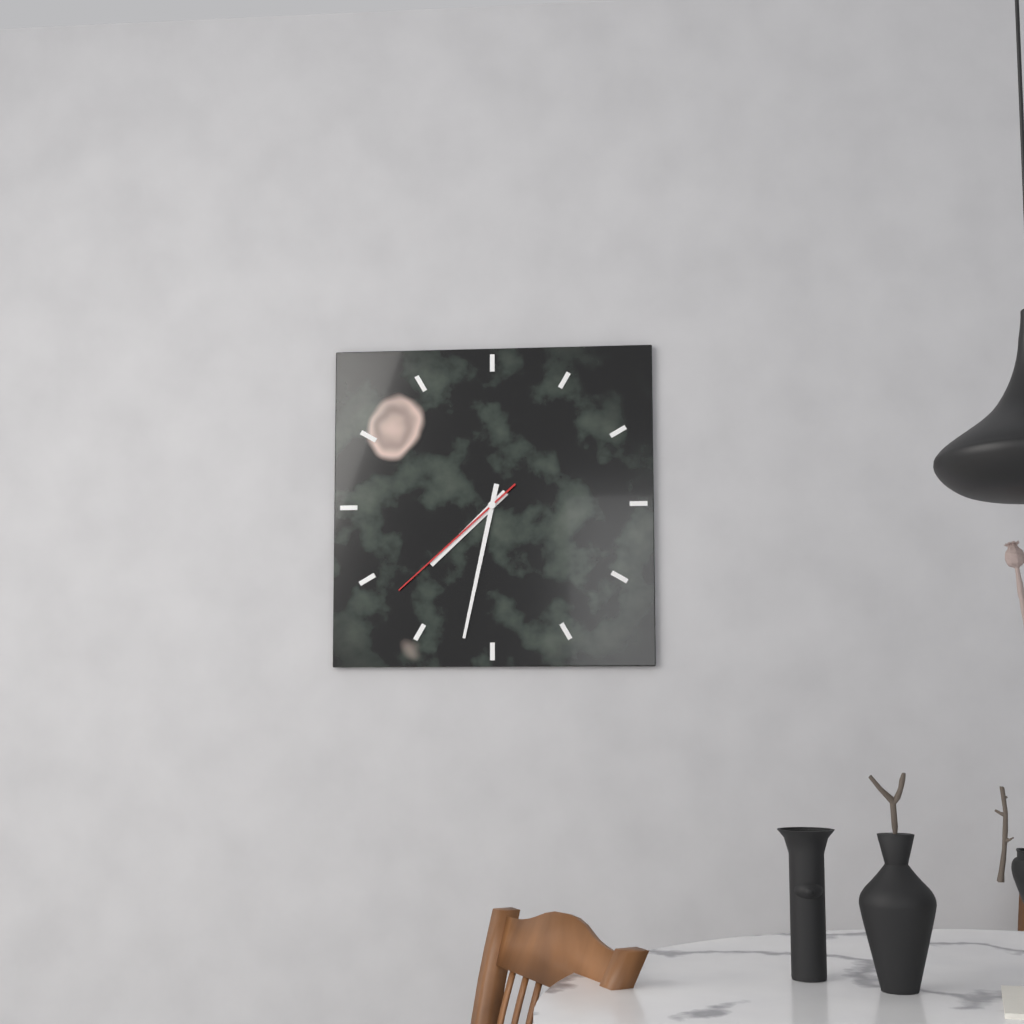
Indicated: 7:32:38
